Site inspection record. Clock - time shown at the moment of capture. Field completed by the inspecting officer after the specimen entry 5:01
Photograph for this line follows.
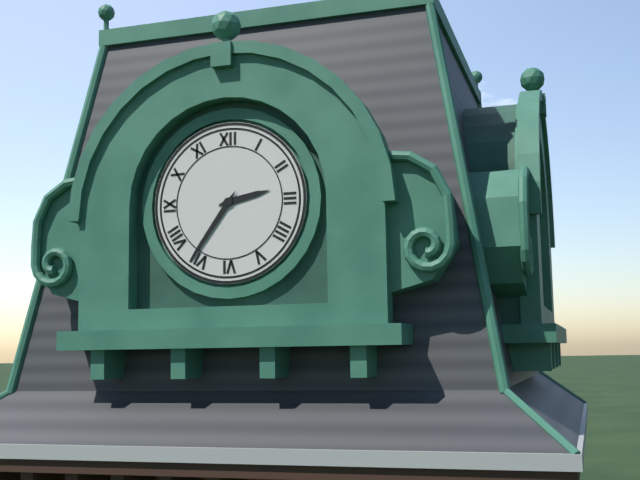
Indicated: 2:36
